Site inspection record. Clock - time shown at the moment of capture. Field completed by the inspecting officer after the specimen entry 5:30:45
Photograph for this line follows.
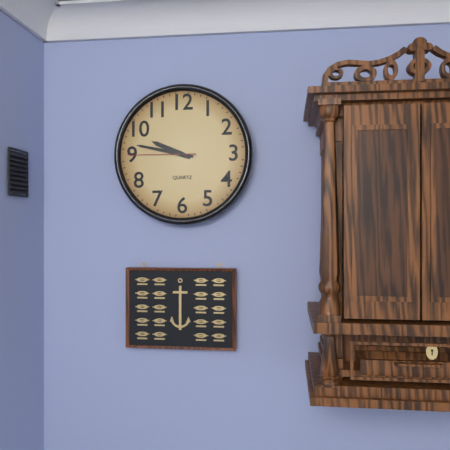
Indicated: 9:47:45
